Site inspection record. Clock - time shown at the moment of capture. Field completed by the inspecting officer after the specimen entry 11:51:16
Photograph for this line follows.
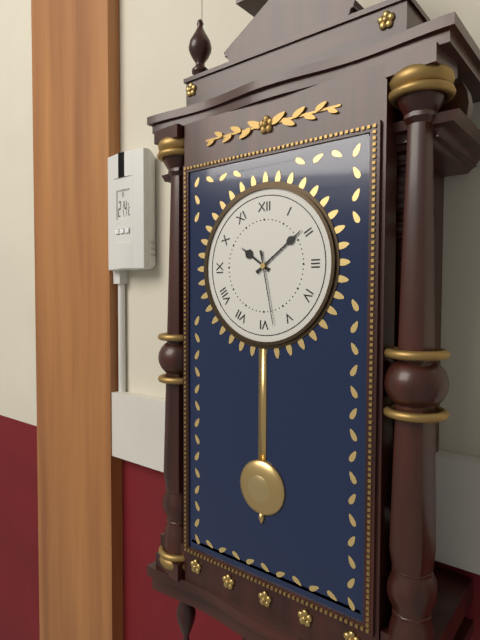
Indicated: 10:09:28
